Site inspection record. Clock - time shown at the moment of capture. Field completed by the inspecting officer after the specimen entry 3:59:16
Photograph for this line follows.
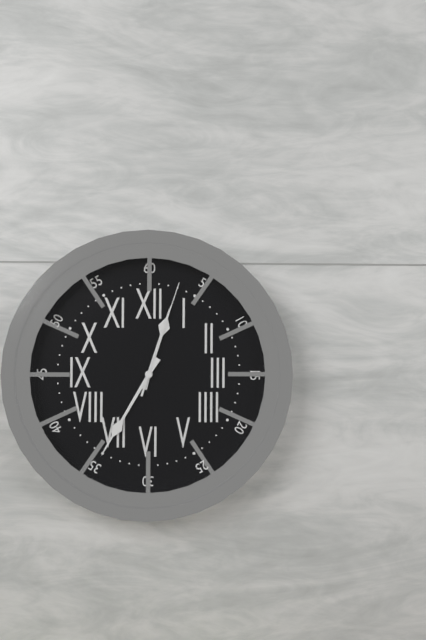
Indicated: 12:35:03
